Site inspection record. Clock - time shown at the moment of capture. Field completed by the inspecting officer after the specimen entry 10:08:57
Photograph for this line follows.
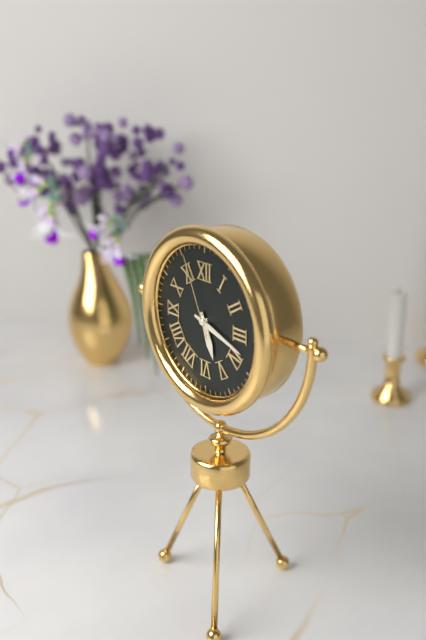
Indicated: 5:18:56
